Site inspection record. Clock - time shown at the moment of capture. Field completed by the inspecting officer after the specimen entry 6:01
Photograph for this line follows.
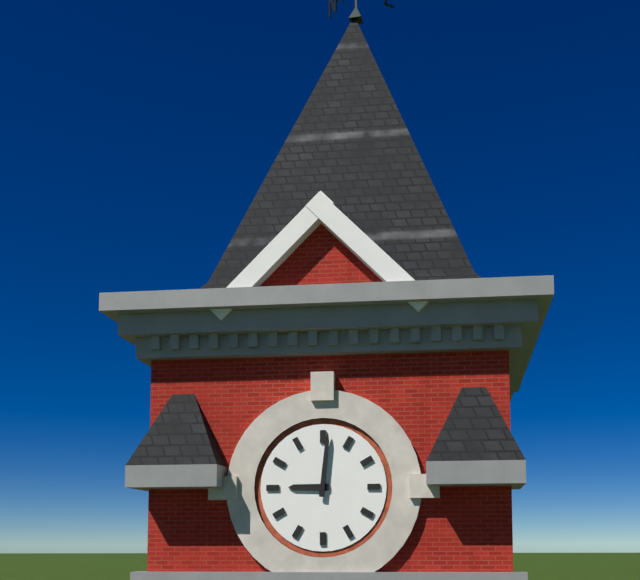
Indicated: 9:01
